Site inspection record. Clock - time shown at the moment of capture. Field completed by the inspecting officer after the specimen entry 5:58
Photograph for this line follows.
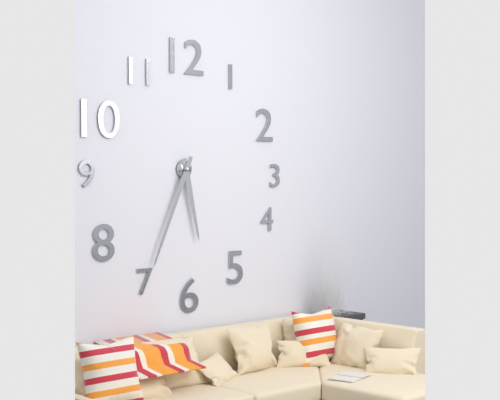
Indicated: 5:34
